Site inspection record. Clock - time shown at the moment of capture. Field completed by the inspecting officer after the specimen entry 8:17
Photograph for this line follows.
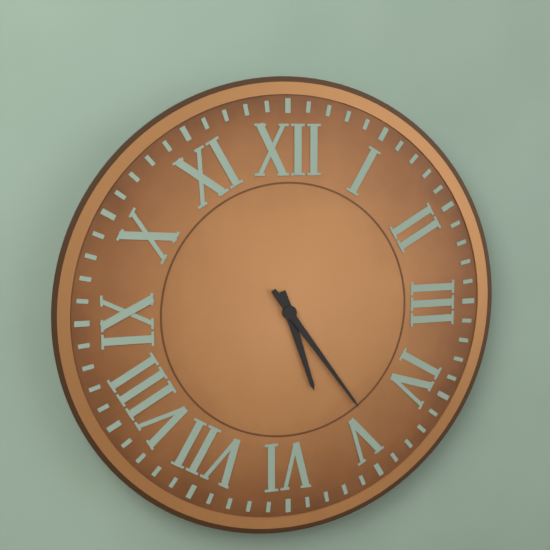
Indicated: 5:24
